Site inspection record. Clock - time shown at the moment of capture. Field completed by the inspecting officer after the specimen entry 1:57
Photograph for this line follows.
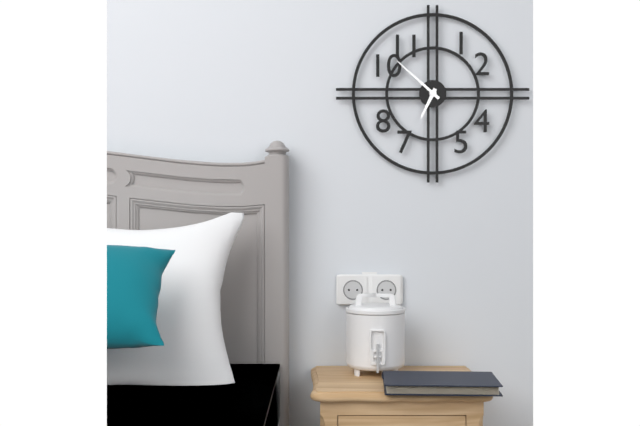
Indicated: 6:52
